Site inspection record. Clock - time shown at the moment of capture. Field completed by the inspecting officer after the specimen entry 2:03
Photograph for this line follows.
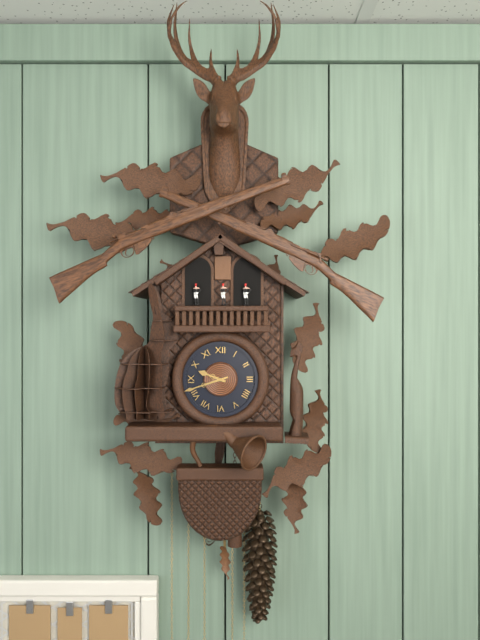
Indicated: 9:42
